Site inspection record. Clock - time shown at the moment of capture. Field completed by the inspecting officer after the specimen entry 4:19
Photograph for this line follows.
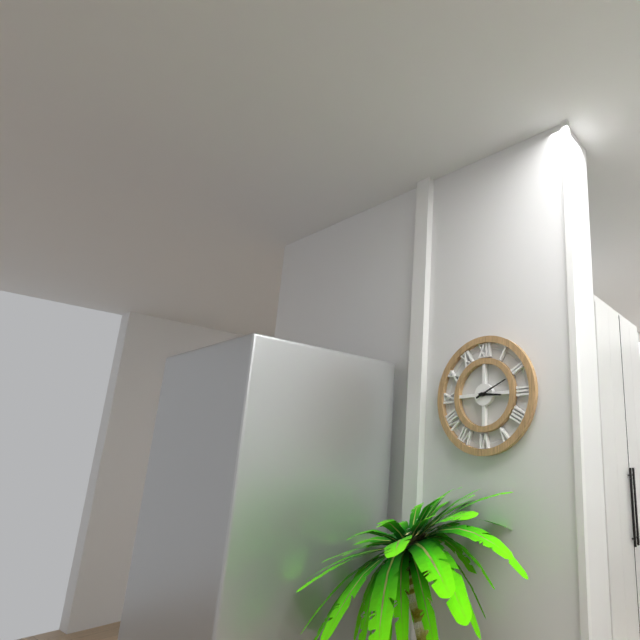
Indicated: 3:11
